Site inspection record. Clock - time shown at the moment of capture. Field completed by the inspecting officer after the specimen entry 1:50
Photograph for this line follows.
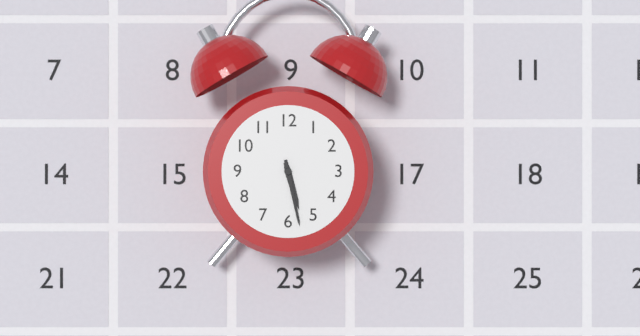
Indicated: 5:28
